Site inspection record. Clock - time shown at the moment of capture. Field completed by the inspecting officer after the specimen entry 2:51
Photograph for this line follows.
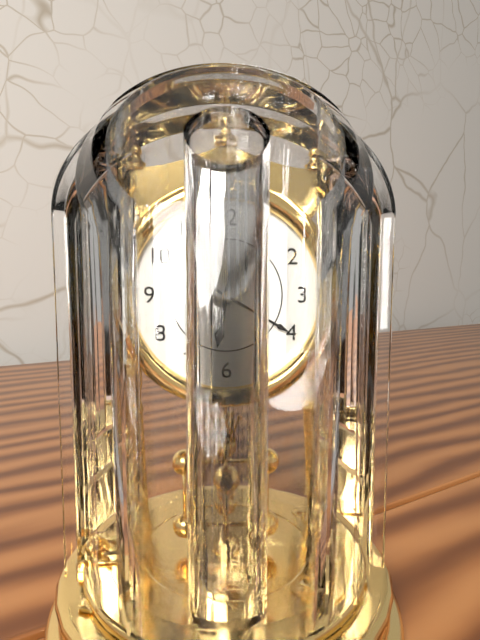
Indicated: 6:20
